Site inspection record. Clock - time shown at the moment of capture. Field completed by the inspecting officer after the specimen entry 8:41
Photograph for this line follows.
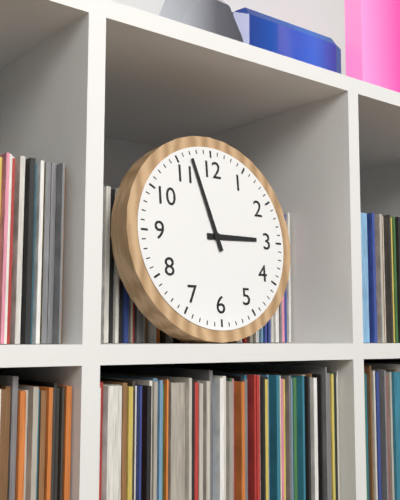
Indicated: 2:57
